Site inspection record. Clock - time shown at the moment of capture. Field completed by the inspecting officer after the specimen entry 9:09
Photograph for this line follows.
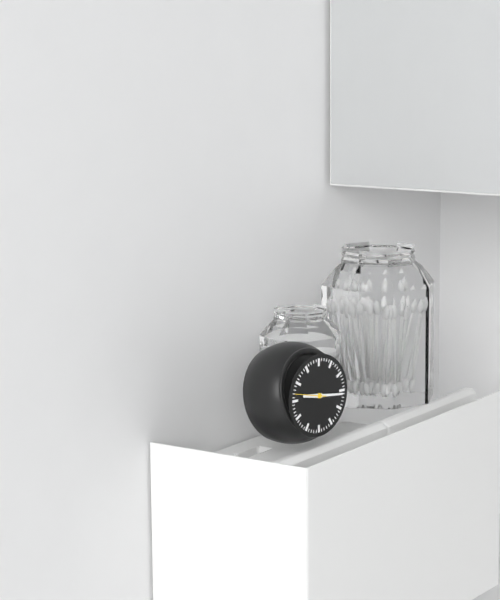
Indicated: 9:16
